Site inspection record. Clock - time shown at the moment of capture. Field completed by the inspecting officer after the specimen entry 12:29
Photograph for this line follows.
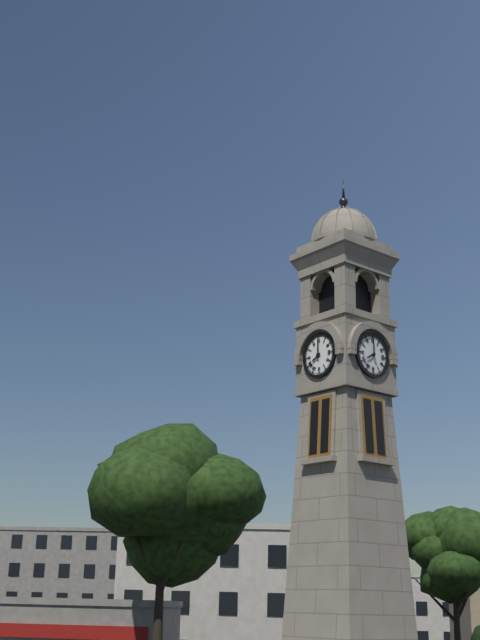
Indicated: 8:00
